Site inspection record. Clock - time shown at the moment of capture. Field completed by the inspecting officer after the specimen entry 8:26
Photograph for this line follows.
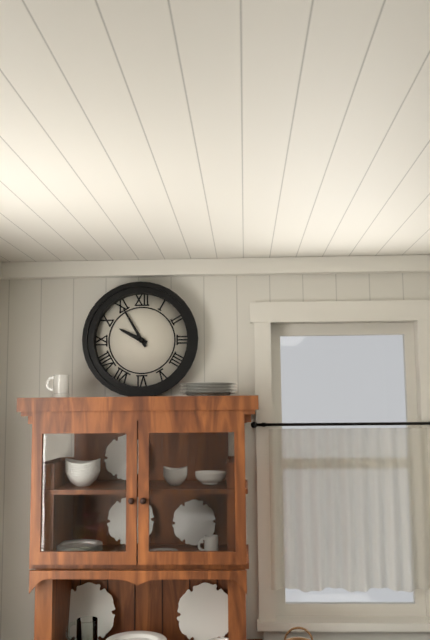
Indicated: 9:55
